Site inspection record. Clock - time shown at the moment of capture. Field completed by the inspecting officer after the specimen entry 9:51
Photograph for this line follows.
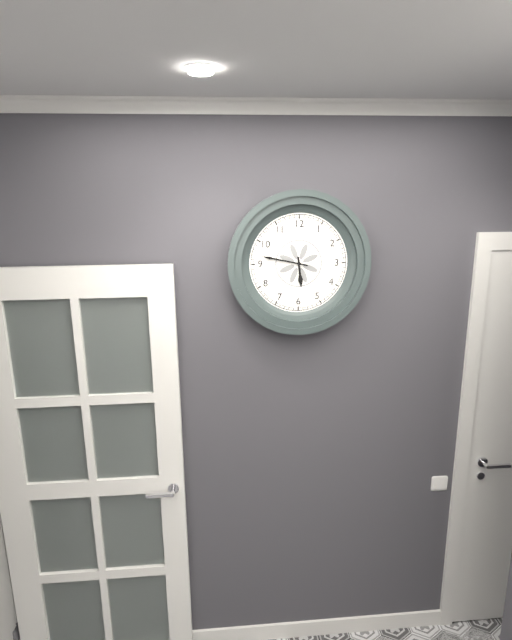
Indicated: 5:47
